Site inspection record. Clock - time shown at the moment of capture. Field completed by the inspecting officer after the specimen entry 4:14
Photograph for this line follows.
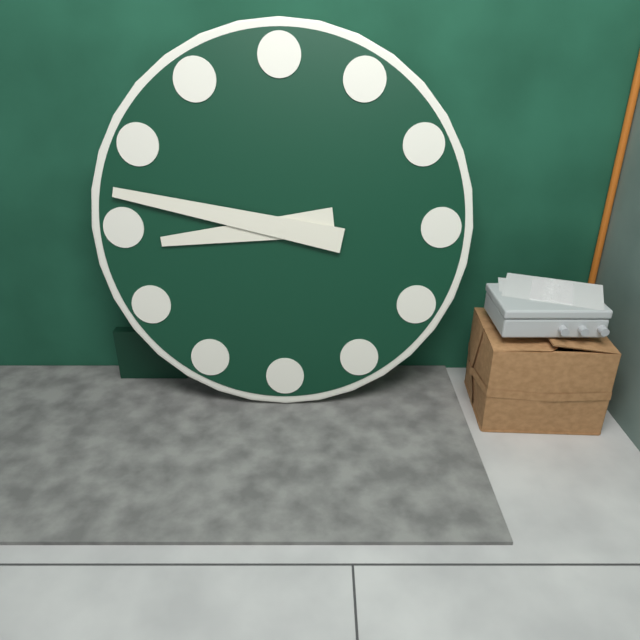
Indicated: 8:47
